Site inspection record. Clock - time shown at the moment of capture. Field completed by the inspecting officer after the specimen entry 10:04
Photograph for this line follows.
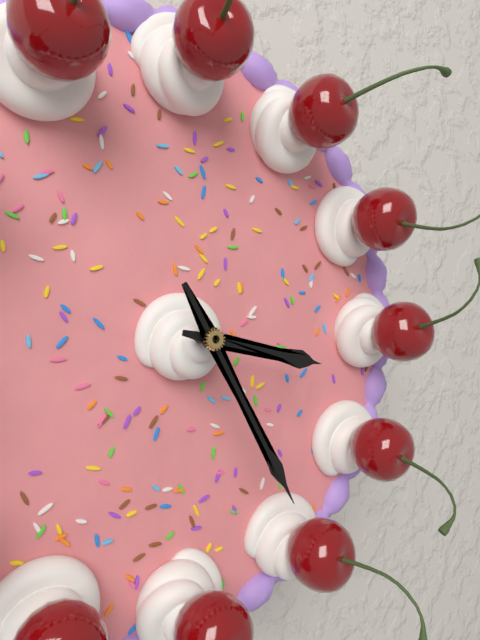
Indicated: 3:25
